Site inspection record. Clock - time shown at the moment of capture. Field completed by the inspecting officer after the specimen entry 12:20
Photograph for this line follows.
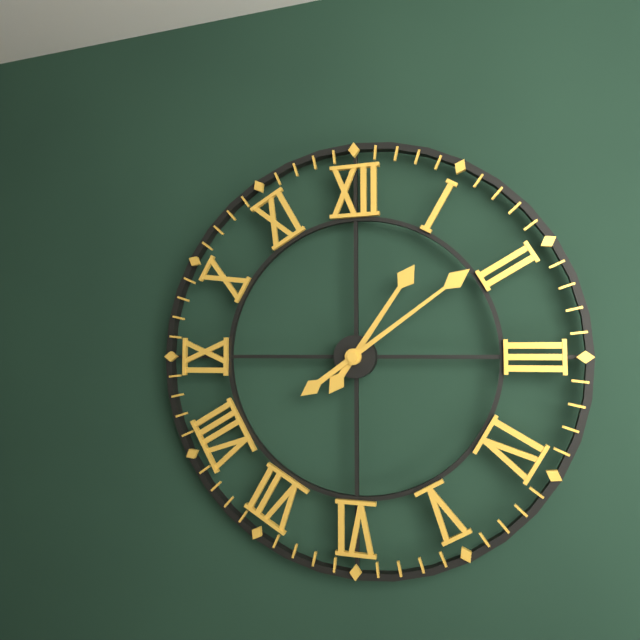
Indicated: 1:09
